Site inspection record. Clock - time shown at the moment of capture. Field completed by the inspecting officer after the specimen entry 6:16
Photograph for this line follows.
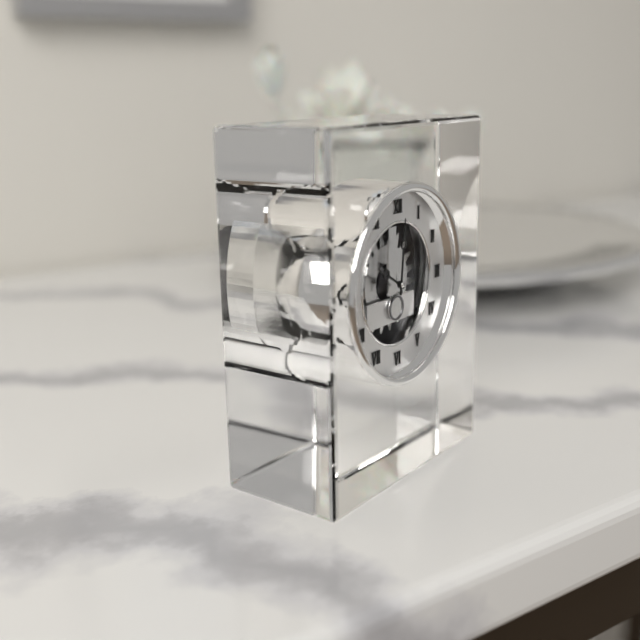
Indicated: 10:01
